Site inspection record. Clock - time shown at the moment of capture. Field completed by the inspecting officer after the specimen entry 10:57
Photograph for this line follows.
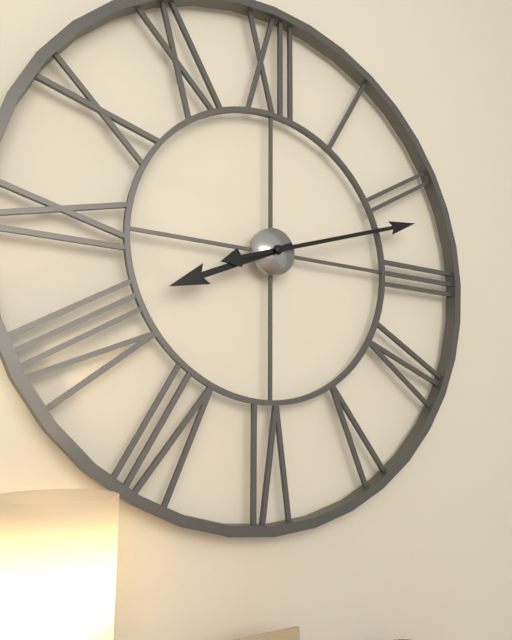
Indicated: 8:12
